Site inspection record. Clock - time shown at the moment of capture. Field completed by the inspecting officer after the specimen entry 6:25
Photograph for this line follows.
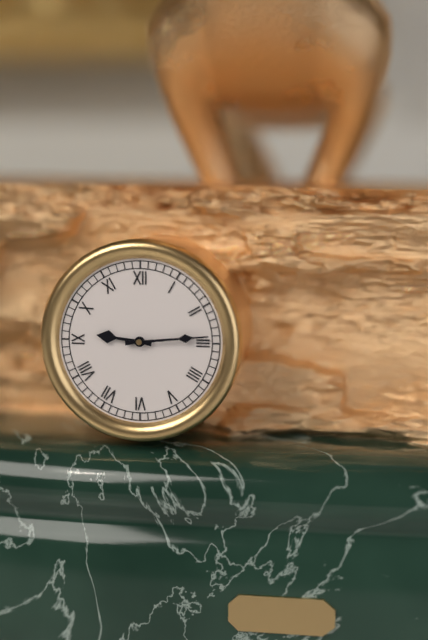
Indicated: 9:14
